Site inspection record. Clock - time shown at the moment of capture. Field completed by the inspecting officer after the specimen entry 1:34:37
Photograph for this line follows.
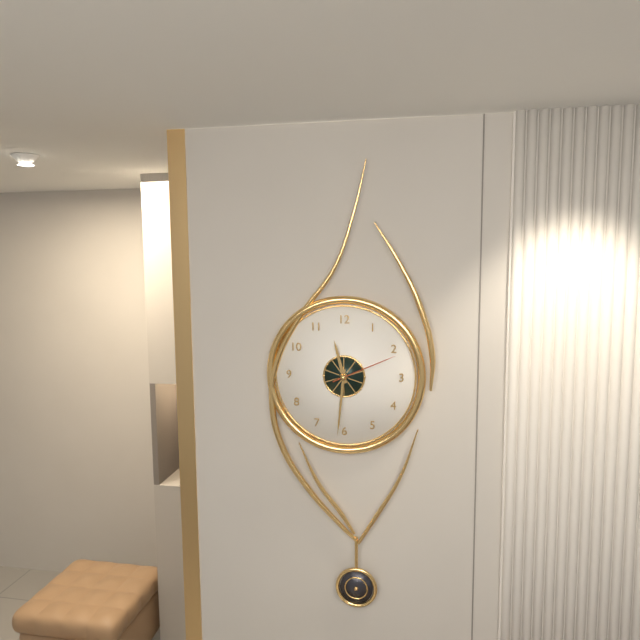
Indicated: 11:31:11
